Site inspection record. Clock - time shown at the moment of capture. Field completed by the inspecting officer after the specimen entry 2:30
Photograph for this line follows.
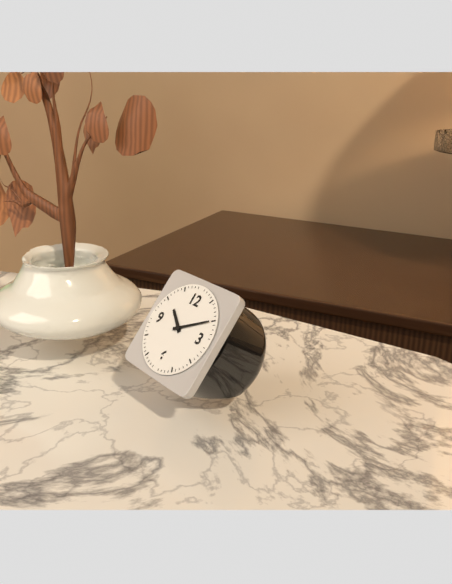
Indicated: 10:10
